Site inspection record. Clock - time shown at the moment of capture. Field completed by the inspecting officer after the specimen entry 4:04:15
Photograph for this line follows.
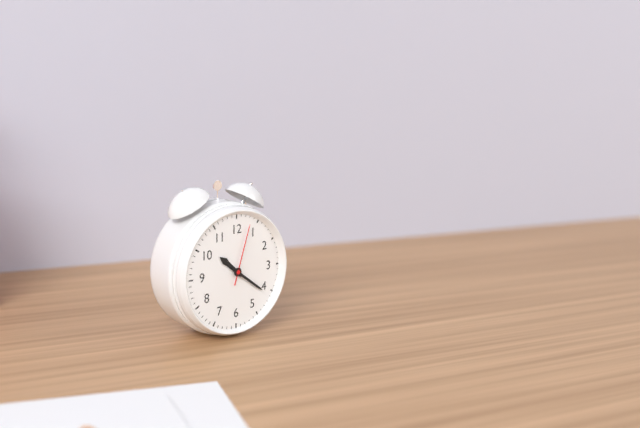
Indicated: 10:21:03
